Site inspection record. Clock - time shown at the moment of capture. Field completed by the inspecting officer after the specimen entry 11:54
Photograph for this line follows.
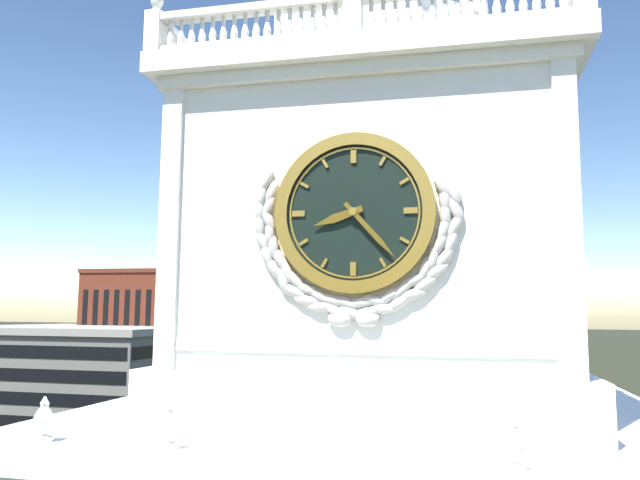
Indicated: 8:23
